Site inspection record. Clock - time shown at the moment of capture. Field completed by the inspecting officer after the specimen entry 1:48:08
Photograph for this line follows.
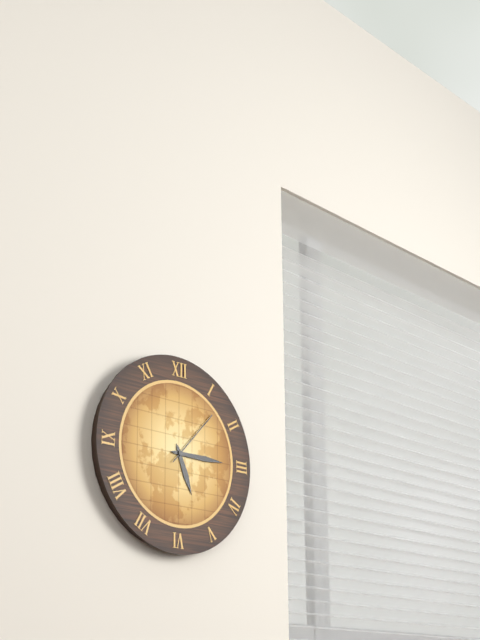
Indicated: 5:15:07
